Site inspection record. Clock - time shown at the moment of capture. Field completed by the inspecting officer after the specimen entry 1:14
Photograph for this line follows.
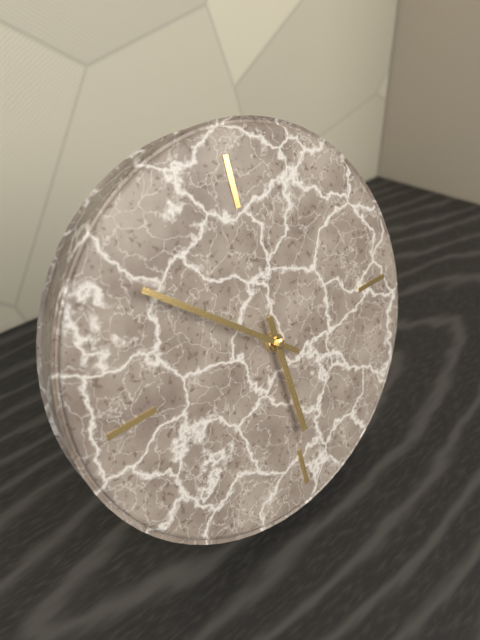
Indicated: 5:52
